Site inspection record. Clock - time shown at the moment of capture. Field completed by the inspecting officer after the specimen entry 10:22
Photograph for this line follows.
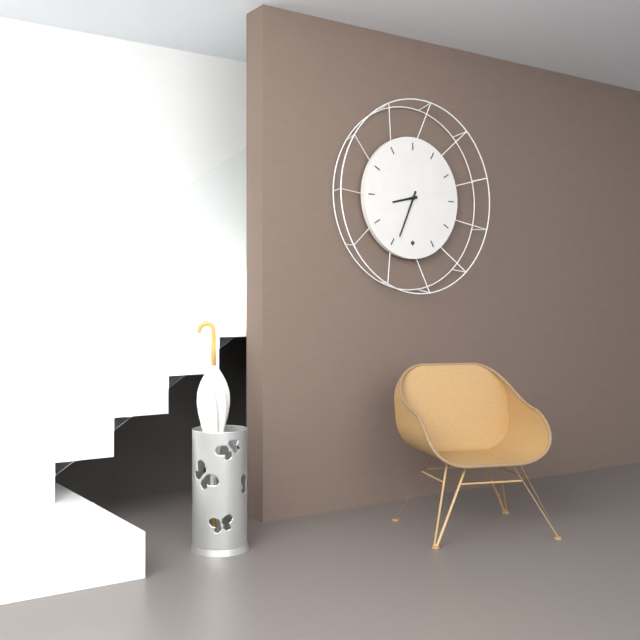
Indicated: 8:34
